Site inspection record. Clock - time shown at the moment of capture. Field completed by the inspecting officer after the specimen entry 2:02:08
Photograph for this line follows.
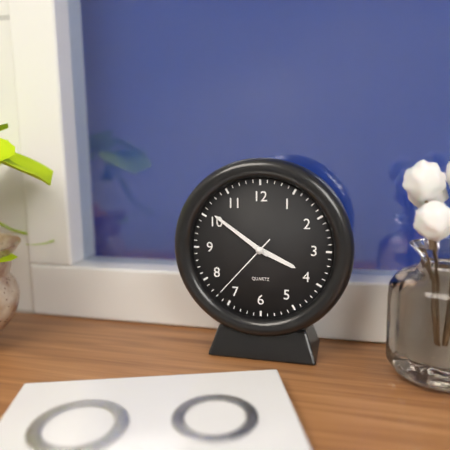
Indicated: 3:51:37
